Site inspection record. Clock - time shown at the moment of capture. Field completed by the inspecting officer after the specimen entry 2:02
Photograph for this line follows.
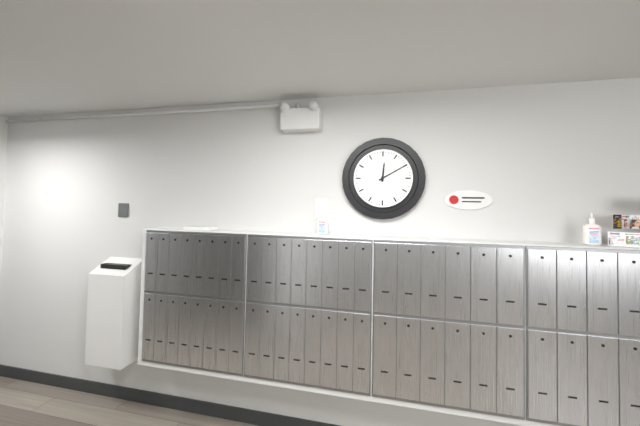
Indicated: 12:10
